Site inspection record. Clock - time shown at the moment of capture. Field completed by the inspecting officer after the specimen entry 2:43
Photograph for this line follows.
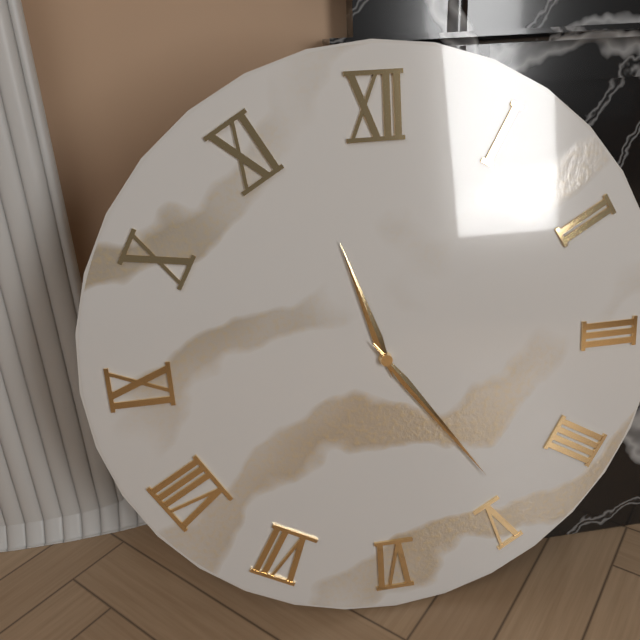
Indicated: 11:24
